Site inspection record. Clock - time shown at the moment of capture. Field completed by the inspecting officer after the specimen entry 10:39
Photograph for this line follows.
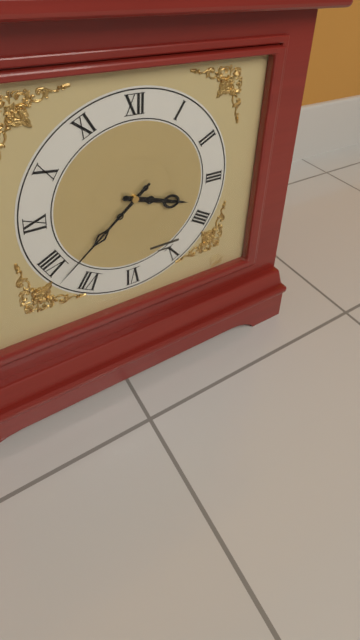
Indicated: 3:38
